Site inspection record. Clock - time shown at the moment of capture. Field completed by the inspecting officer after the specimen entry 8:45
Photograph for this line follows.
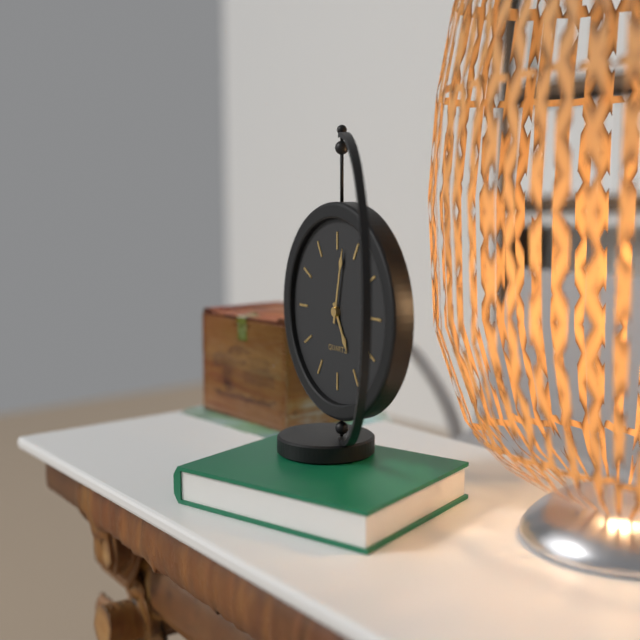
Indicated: 5:02
